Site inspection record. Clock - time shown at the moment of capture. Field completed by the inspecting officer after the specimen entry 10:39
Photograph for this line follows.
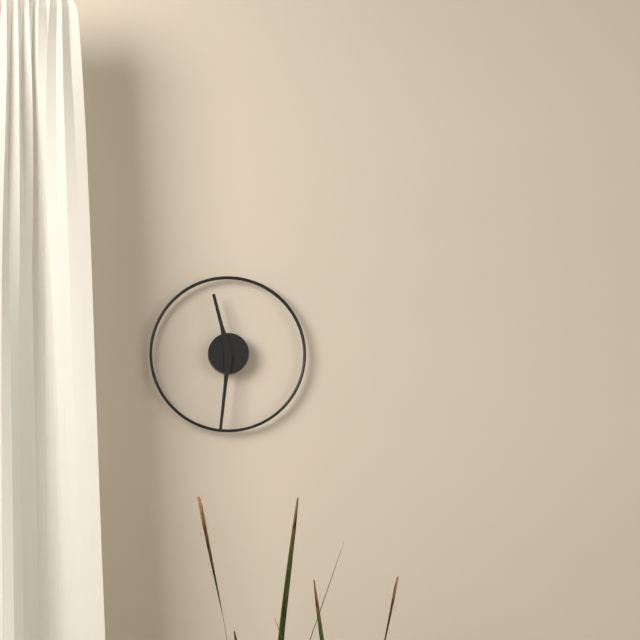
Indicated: 11:31
